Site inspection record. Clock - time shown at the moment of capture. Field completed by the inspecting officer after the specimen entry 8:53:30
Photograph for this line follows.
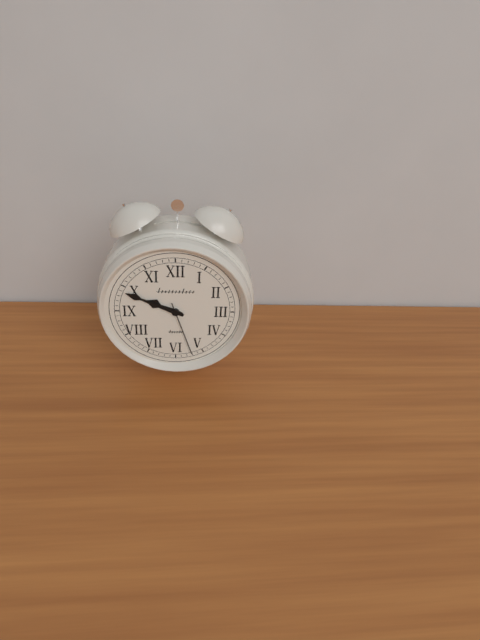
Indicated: 9:49:27
